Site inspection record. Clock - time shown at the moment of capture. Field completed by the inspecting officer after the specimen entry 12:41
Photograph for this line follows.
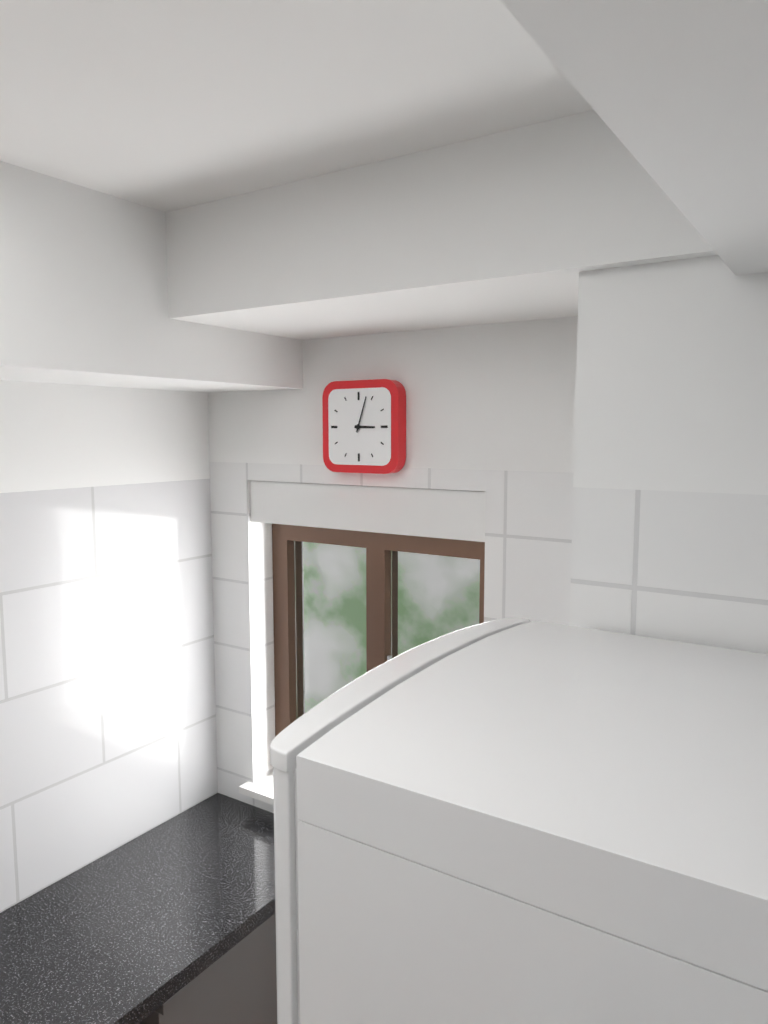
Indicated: 3:03
